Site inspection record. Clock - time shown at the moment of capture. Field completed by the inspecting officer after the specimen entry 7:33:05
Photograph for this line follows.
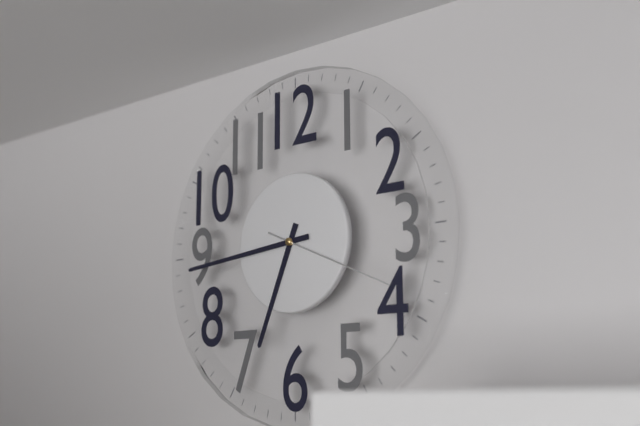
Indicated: 6:44:19
